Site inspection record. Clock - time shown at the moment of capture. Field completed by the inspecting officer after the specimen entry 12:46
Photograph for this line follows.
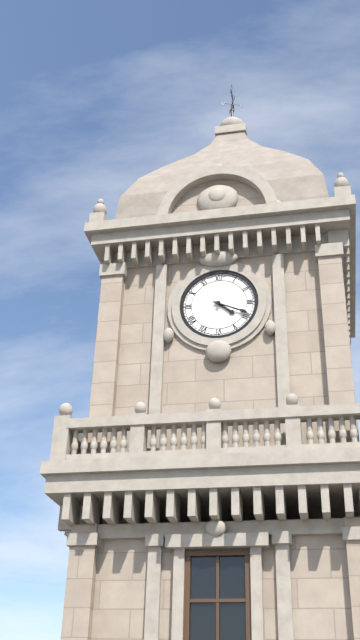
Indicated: 4:19
